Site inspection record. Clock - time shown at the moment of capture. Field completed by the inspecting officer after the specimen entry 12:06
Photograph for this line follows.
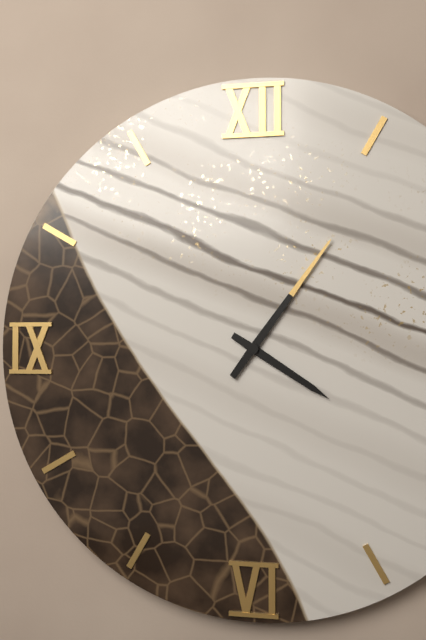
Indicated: 4:06
